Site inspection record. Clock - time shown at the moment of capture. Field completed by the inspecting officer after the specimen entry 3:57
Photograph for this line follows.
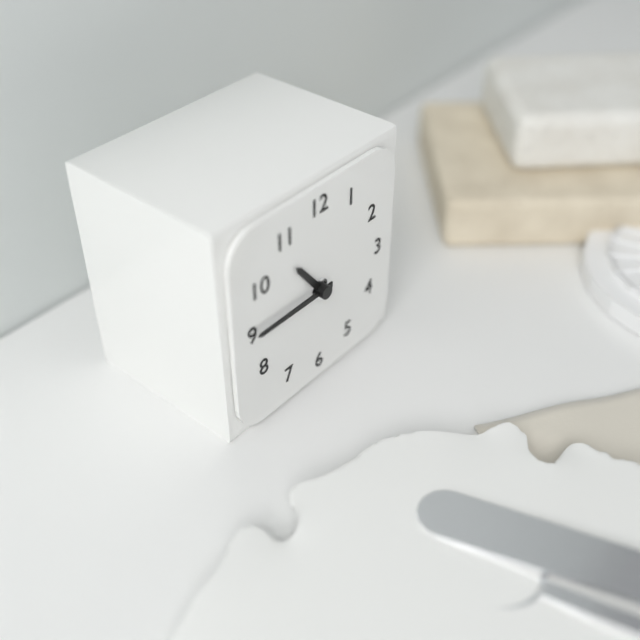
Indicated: 10:45
